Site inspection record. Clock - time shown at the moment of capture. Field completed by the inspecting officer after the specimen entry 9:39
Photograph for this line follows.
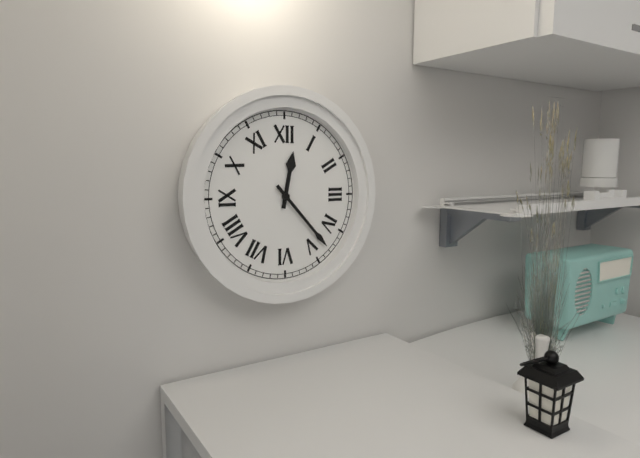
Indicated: 12:23
